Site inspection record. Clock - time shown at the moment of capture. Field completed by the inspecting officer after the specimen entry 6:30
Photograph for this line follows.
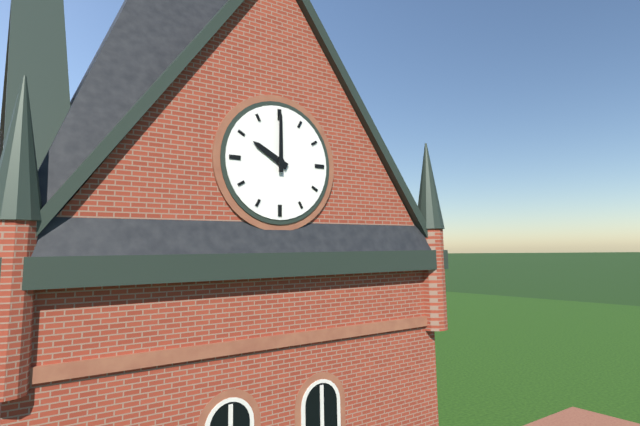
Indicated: 10:00
